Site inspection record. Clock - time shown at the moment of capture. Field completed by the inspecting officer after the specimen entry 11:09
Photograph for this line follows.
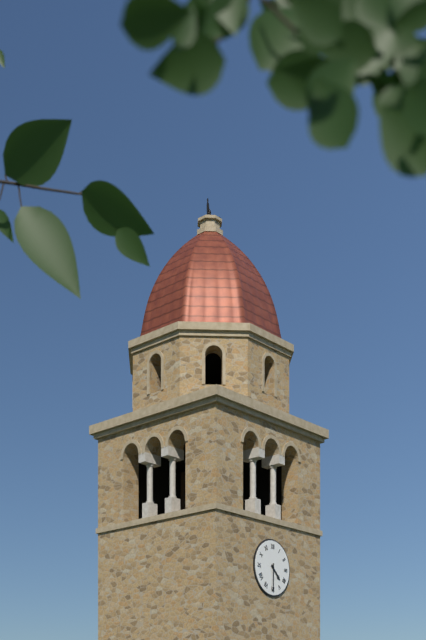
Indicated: 4:30
